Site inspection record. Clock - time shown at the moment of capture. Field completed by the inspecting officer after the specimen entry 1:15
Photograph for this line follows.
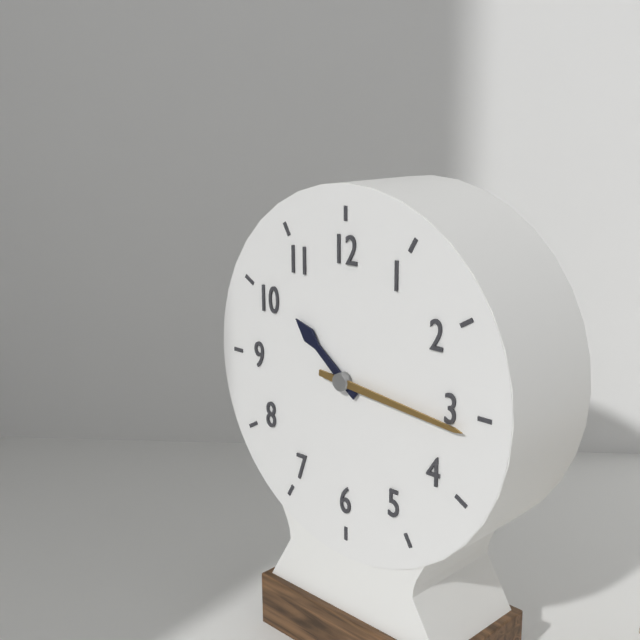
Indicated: 10:16
